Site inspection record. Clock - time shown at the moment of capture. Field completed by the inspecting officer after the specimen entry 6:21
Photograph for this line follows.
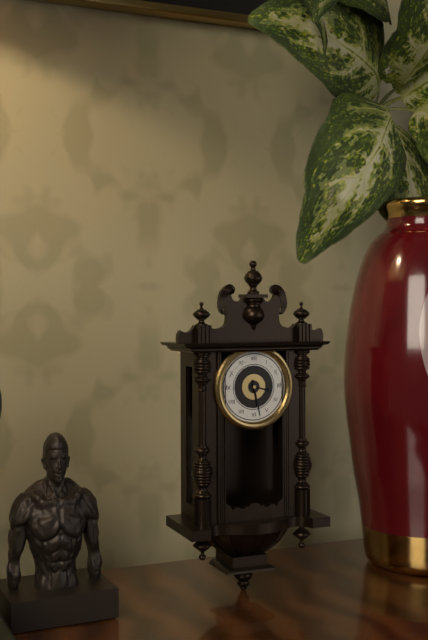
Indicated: 3:28
